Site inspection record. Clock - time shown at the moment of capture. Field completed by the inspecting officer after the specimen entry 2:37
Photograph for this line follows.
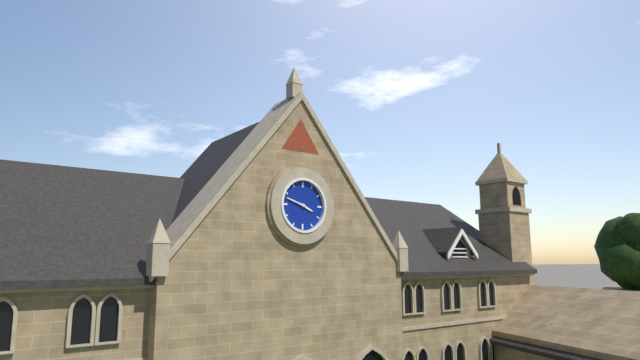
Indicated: 3:48
